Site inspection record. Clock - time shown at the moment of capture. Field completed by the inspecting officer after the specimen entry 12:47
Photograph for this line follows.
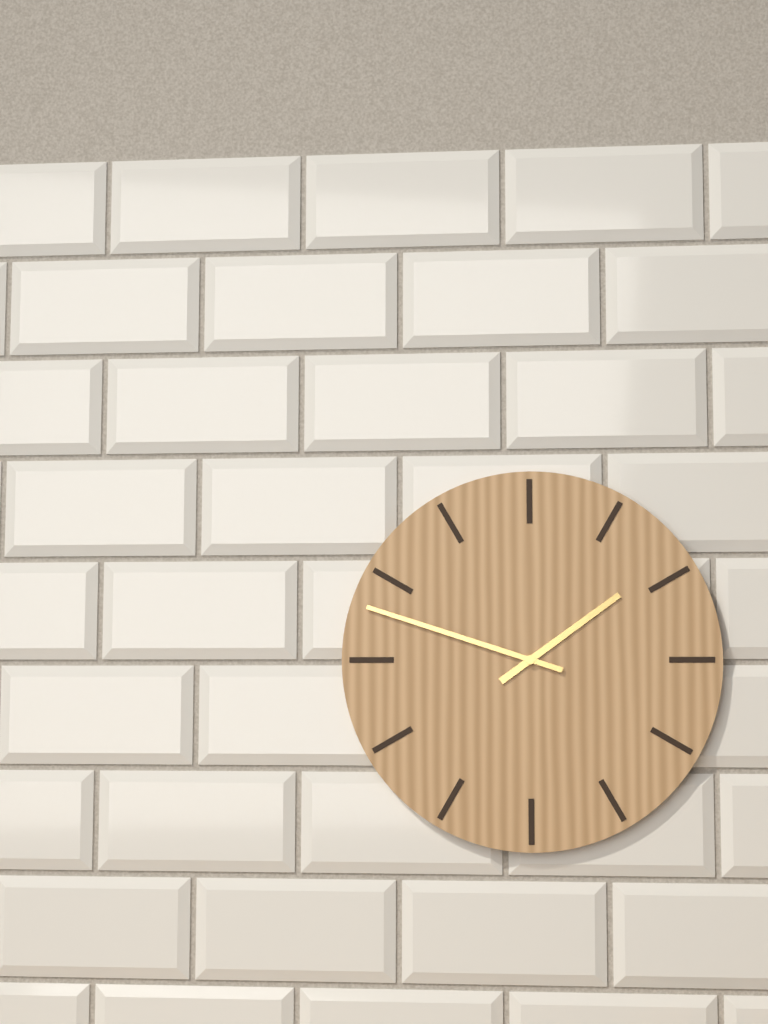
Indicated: 1:48
